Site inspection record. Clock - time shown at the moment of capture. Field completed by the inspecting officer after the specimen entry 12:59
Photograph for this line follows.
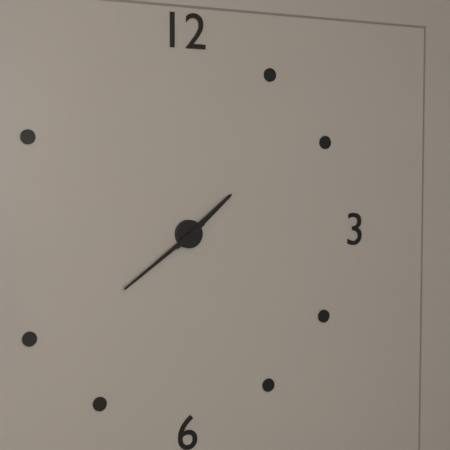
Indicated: 1:39
